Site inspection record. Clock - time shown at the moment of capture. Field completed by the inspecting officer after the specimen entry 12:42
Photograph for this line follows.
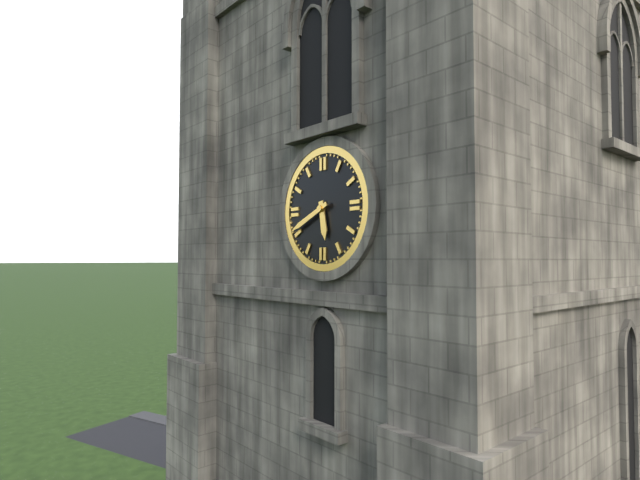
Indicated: 5:41
